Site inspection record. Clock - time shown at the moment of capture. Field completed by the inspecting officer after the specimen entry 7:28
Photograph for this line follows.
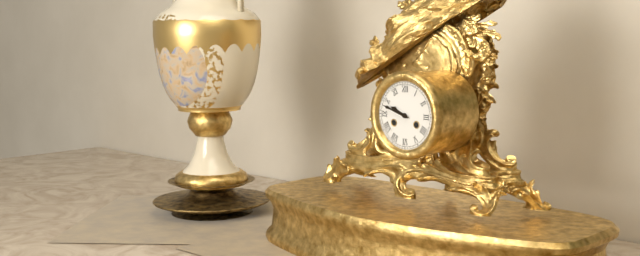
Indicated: 9:48
